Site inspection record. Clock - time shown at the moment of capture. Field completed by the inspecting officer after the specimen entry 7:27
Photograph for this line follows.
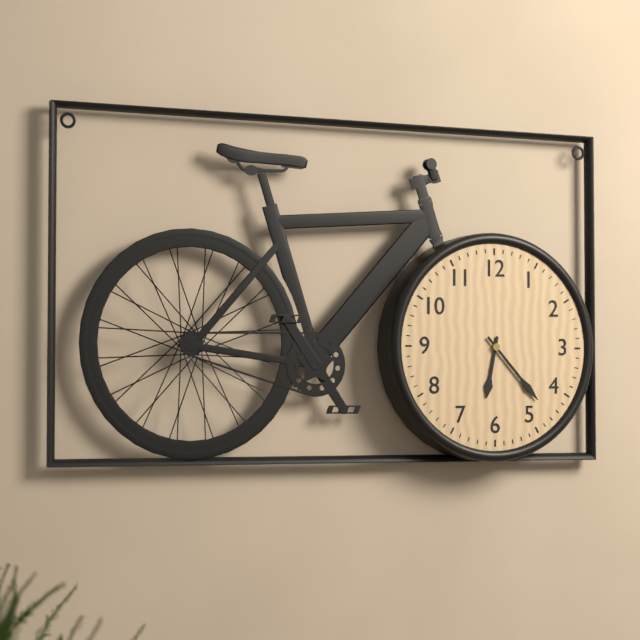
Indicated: 6:23
